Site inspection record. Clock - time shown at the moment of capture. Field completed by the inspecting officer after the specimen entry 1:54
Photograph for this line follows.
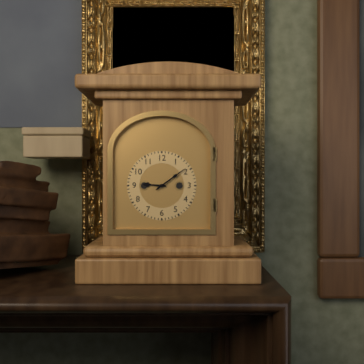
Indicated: 9:09
